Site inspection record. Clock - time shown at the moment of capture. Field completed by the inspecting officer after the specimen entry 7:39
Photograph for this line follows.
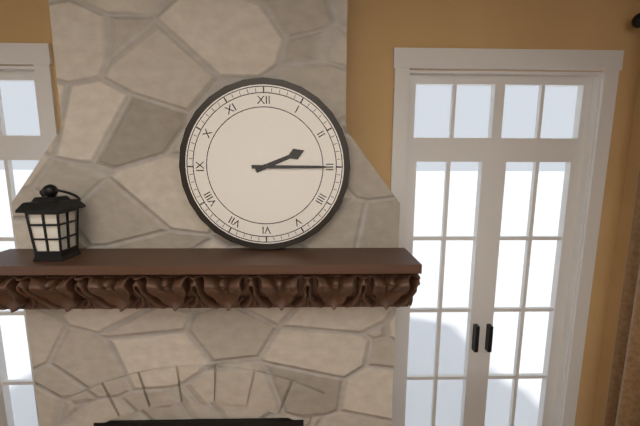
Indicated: 2:15
